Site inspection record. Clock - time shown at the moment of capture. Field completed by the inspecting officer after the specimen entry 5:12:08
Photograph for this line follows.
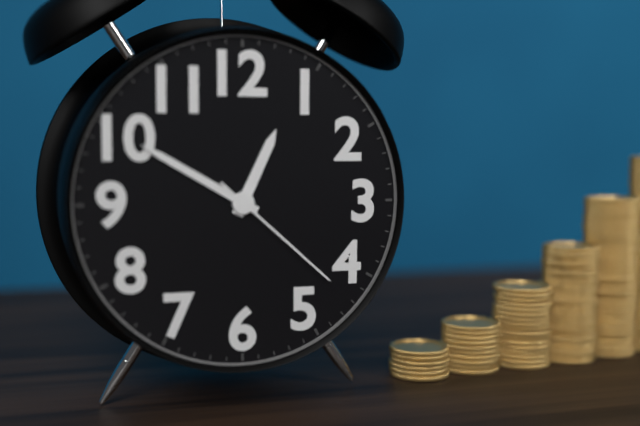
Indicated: 12:50:22
